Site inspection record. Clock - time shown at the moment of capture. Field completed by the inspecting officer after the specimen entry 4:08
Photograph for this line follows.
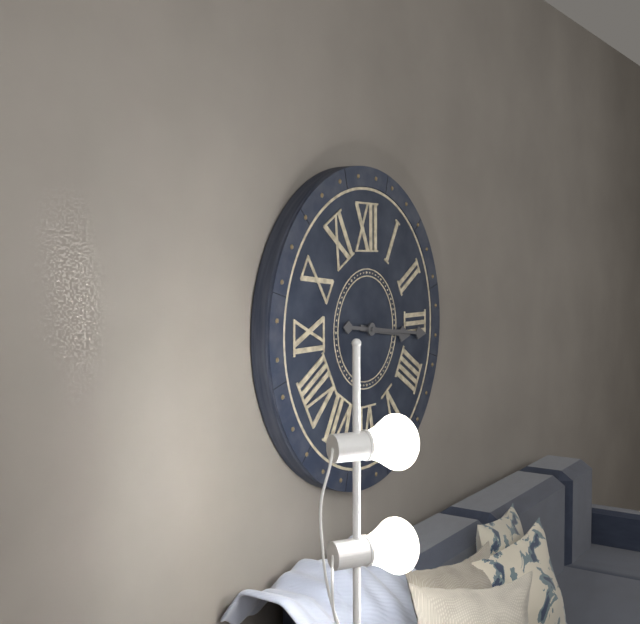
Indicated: 3:16
